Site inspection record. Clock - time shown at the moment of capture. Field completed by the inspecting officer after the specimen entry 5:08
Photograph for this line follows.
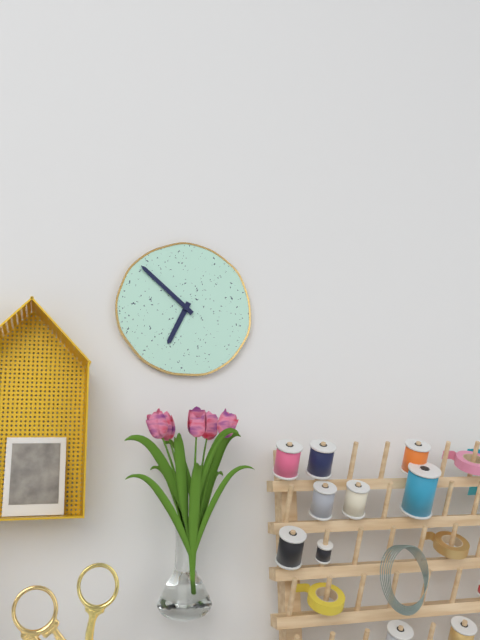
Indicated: 6:52
